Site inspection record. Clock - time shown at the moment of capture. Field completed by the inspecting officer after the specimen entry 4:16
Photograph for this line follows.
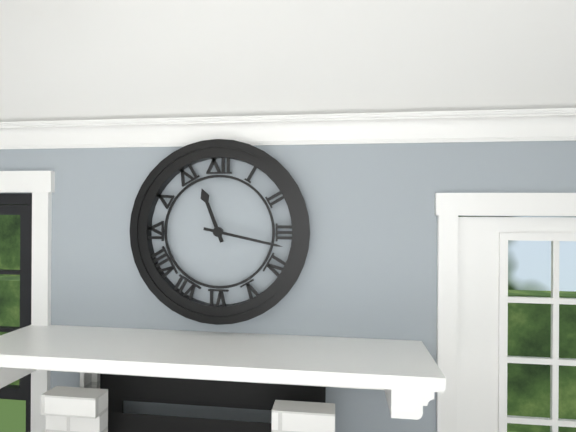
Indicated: 11:17
